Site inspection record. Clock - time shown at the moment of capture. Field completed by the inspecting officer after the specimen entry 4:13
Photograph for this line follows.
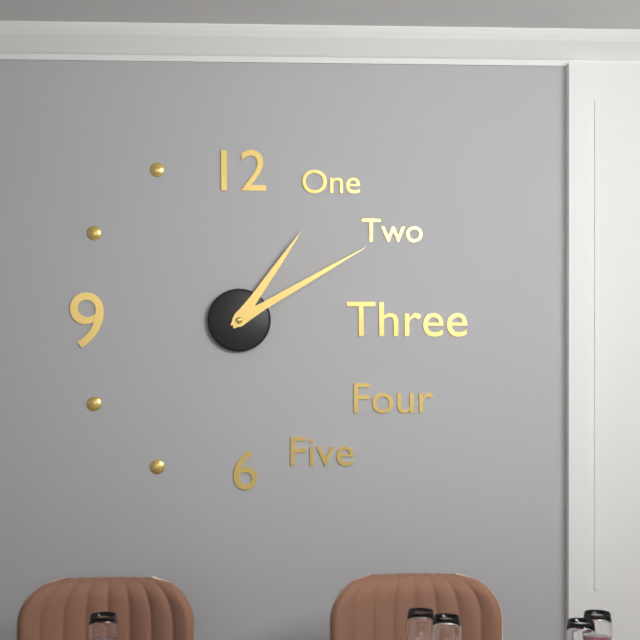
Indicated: 1:10
